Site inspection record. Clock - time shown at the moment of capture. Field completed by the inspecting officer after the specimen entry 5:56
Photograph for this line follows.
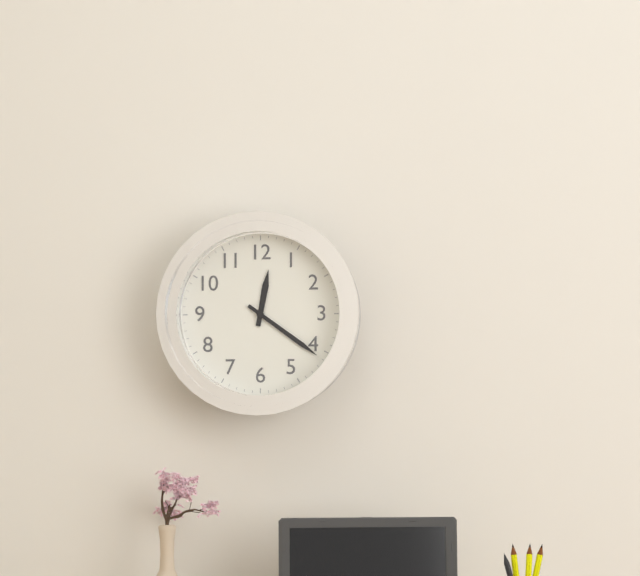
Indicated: 12:21
